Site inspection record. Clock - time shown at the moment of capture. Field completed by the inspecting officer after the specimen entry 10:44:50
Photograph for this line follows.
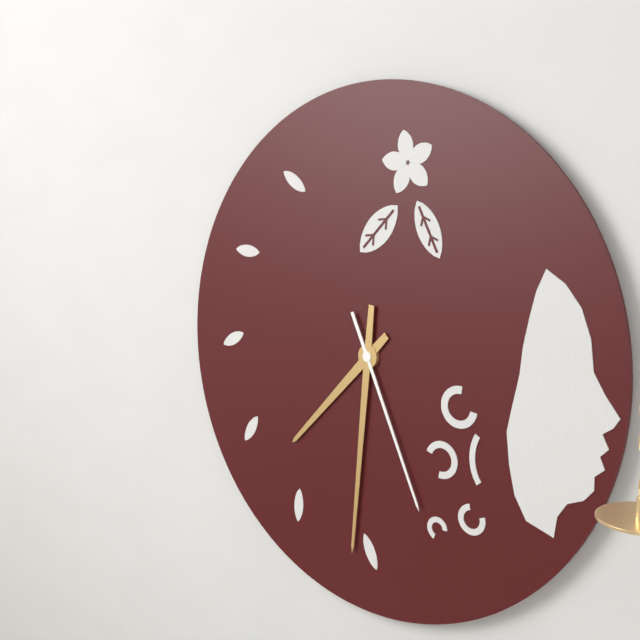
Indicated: 7:31:26
